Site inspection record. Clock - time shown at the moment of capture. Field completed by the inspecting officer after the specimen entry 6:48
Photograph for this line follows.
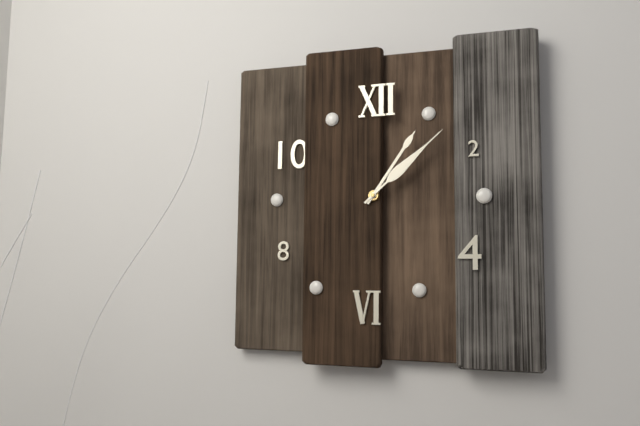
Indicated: 1:08
